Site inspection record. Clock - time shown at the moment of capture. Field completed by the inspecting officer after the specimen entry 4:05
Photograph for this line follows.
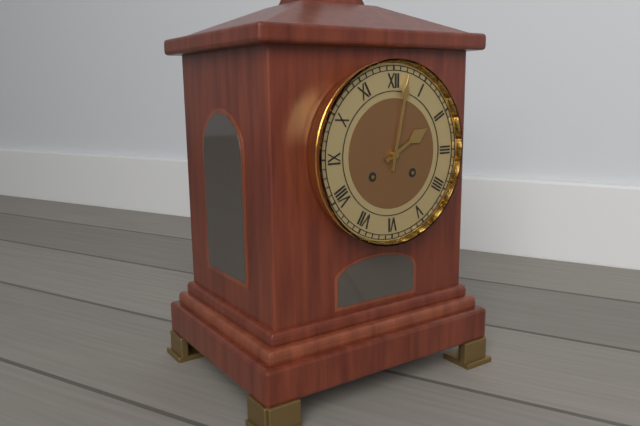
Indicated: 2:02
